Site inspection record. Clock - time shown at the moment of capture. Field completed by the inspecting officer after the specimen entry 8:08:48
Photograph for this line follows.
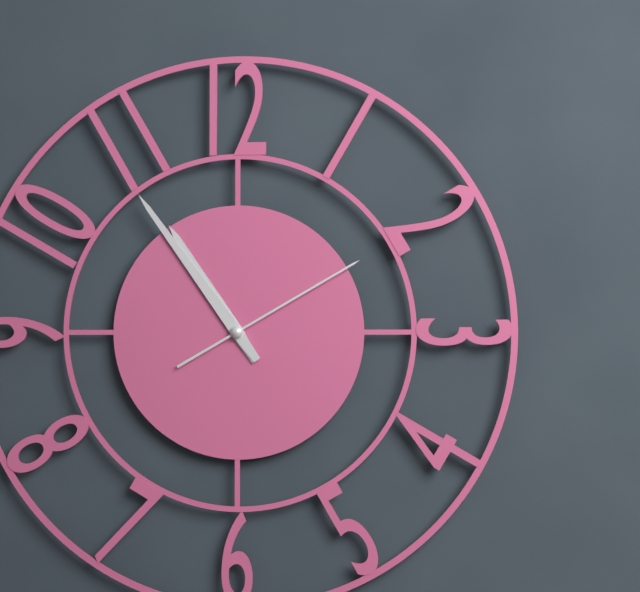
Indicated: 10:54:10
